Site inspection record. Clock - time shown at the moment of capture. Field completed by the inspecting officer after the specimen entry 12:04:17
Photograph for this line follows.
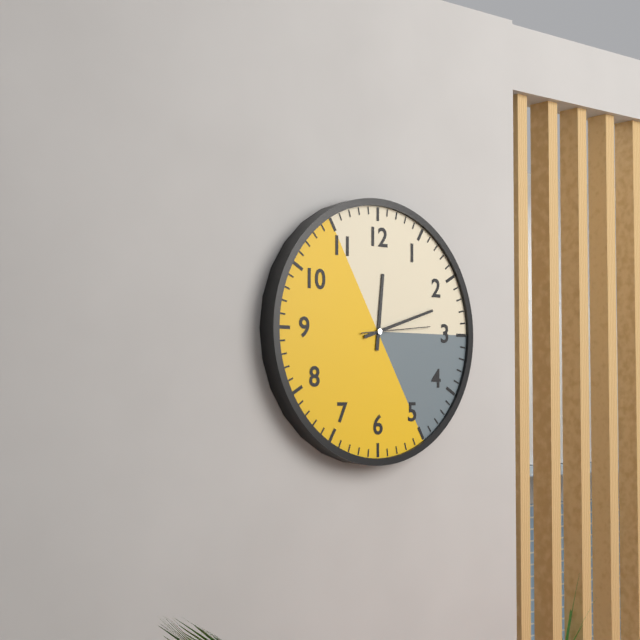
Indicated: 12:12:14
